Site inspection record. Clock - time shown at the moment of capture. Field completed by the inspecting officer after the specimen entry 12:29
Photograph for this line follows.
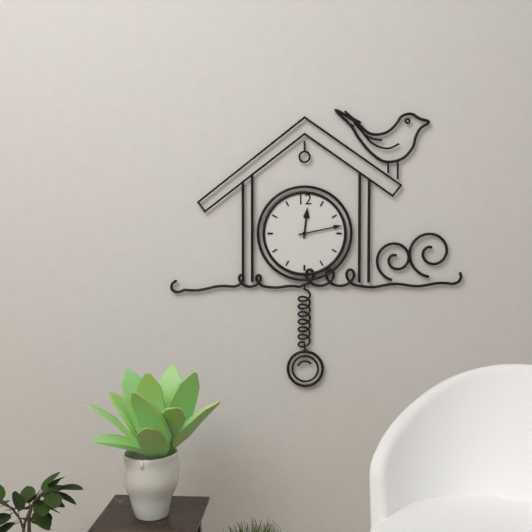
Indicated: 12:13
